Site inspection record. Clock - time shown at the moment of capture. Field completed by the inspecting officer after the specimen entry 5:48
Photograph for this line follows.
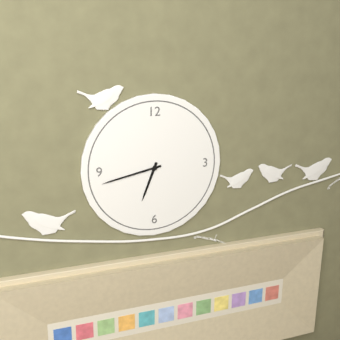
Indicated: 6:43
